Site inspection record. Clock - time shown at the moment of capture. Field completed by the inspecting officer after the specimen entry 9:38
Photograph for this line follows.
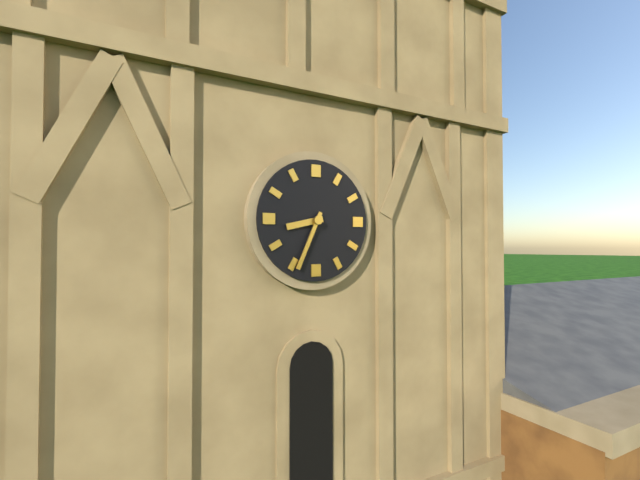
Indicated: 8:34
